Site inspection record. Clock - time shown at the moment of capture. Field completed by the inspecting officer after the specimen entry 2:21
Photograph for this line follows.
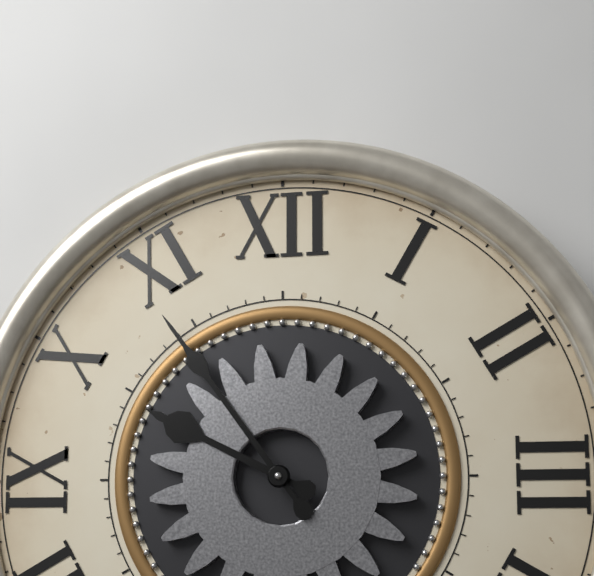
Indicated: 9:54
